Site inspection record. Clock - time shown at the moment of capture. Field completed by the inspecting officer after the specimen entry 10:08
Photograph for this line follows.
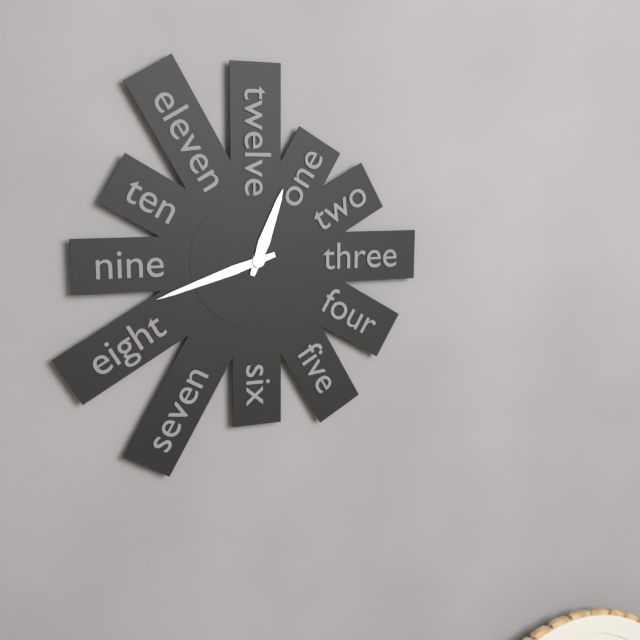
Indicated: 12:42
